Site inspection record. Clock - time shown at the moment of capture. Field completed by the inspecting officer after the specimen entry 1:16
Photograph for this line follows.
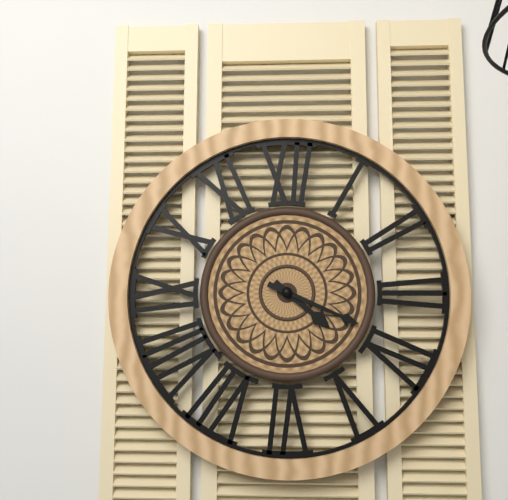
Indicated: 4:19
